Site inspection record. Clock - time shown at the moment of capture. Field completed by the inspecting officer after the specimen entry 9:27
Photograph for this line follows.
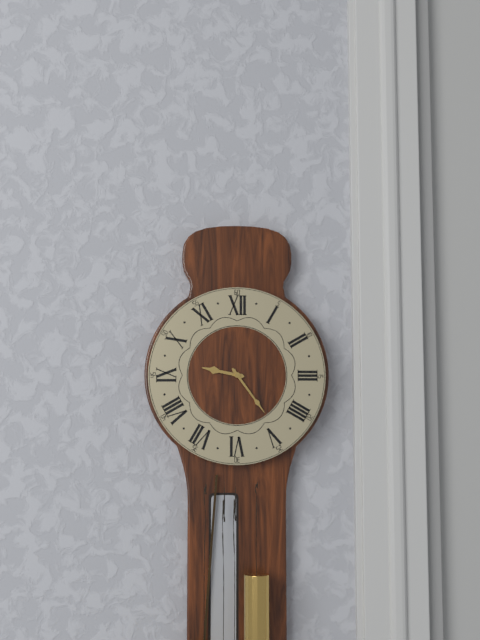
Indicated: 9:24
